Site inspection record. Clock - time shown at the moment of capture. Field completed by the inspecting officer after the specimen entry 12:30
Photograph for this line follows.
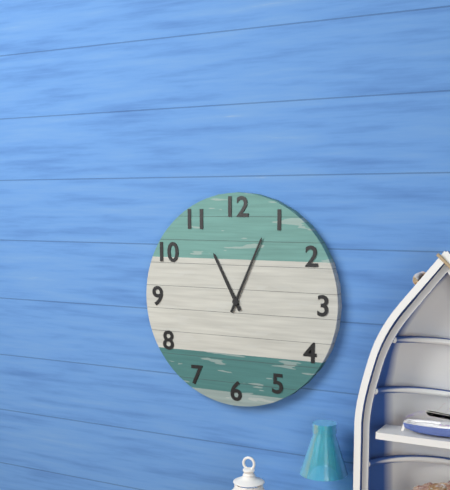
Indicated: 11:04
